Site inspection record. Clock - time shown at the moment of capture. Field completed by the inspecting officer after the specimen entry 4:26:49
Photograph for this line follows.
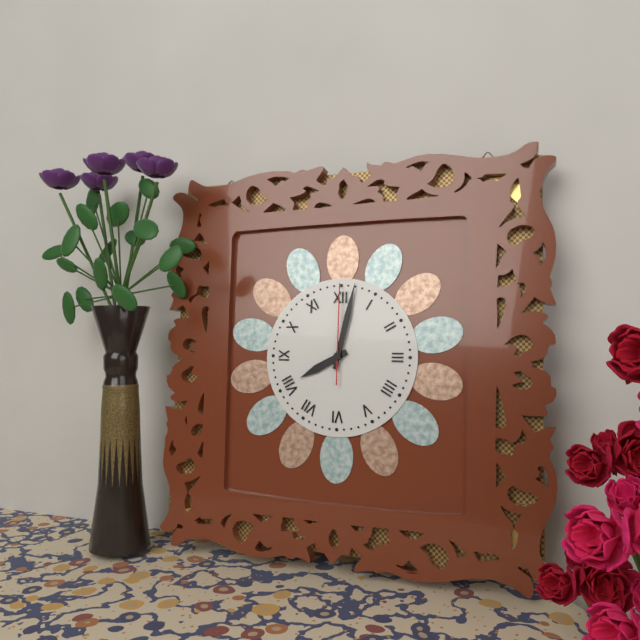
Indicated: 8:02:00
